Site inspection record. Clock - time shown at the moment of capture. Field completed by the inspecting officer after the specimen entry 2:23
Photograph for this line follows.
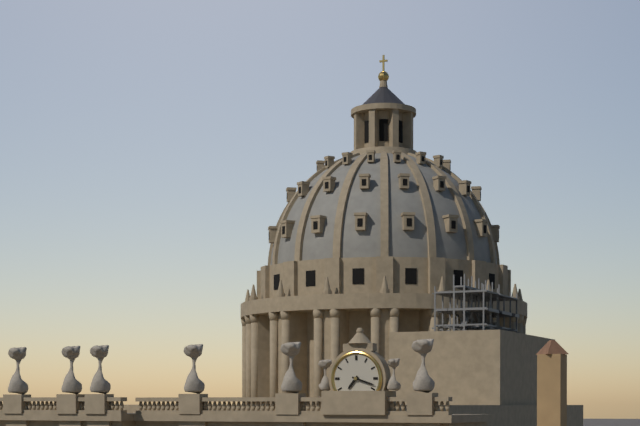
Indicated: 7:18
